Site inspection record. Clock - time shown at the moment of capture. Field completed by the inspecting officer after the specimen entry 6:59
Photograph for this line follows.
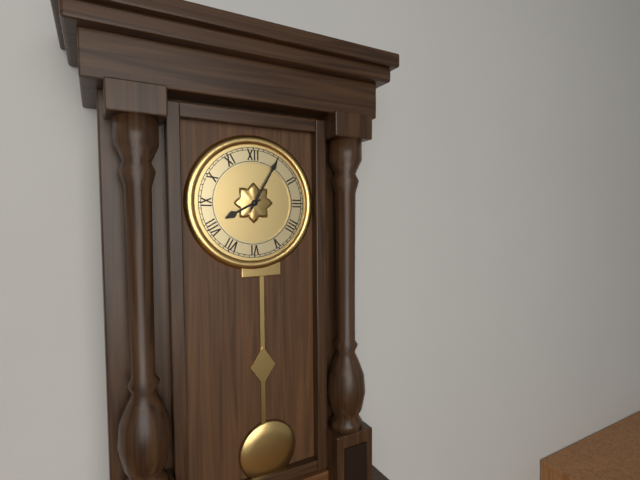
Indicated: 8:05
